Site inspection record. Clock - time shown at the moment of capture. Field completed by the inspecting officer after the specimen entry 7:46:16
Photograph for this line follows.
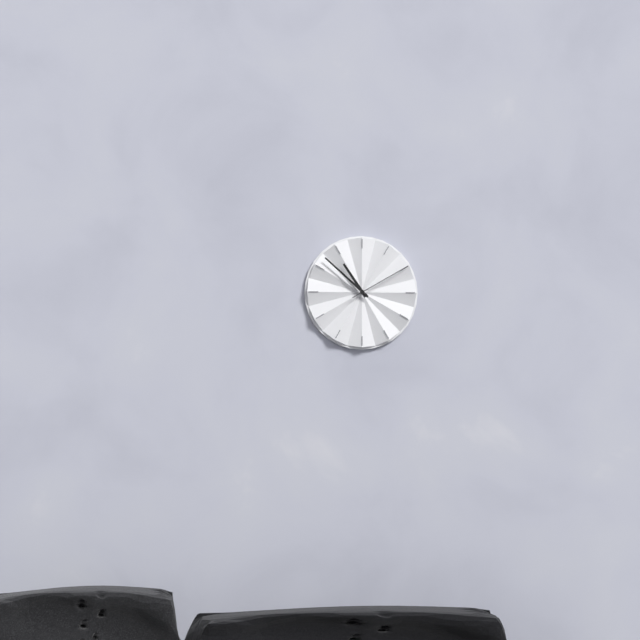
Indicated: 10:52:10
